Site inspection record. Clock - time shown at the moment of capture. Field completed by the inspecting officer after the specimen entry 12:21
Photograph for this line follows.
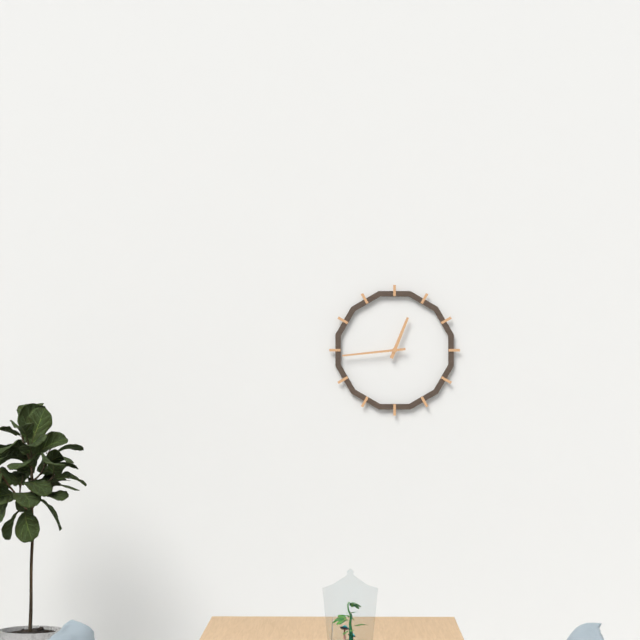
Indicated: 12:44
